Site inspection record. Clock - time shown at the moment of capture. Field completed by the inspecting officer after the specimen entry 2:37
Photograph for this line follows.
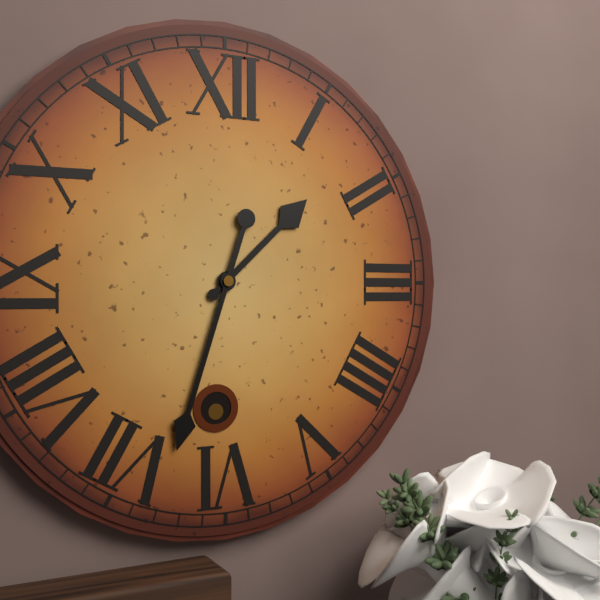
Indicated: 1:33
